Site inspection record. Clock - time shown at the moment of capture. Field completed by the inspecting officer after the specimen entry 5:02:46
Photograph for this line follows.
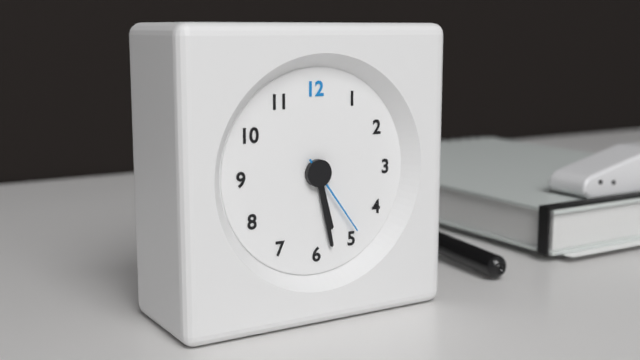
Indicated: 5:28:24
